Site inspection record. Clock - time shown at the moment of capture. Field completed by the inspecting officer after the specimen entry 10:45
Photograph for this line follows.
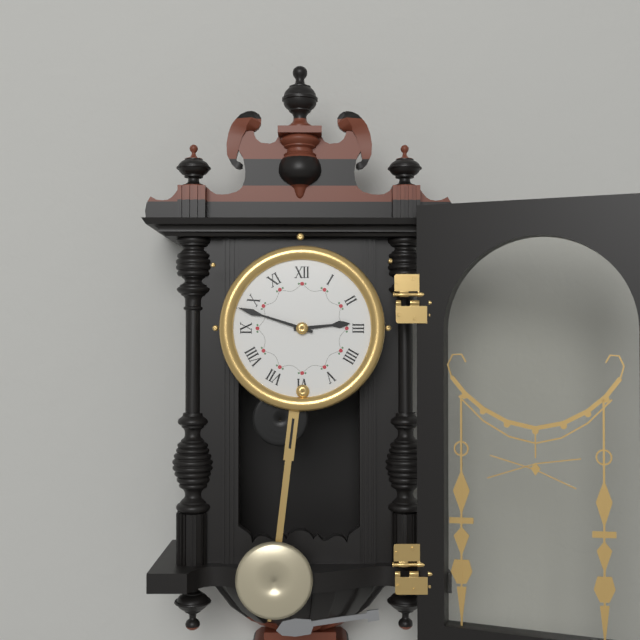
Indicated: 2:48
